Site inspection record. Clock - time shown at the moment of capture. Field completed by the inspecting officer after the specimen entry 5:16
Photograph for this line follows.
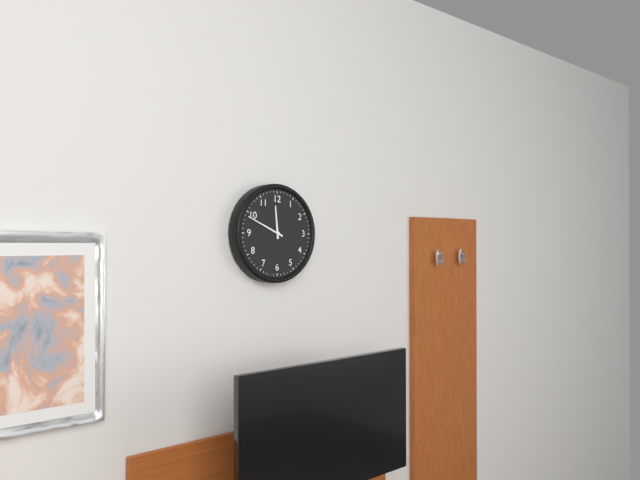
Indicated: 11:49
